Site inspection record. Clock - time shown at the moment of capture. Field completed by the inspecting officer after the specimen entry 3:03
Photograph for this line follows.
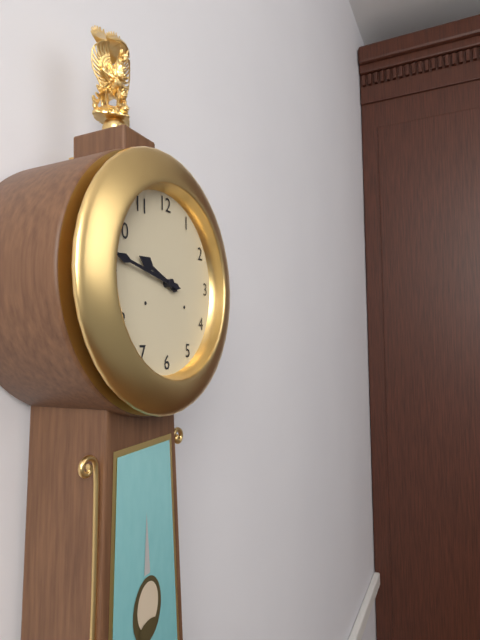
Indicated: 9:47
